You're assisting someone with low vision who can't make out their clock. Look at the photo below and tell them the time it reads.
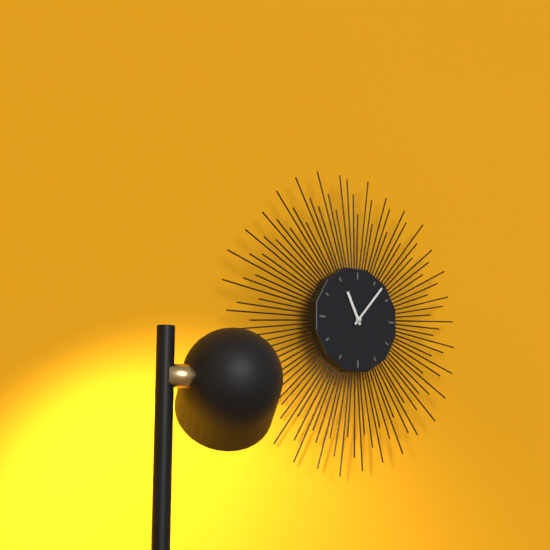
11:07
